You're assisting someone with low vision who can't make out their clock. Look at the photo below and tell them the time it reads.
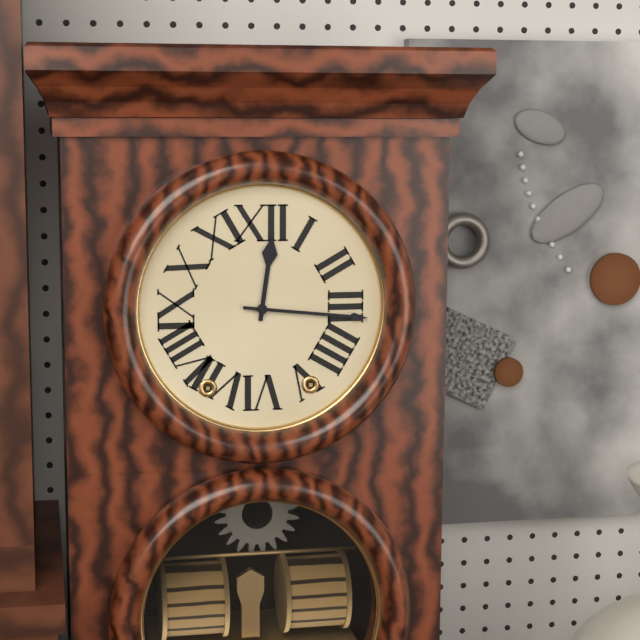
12:16
